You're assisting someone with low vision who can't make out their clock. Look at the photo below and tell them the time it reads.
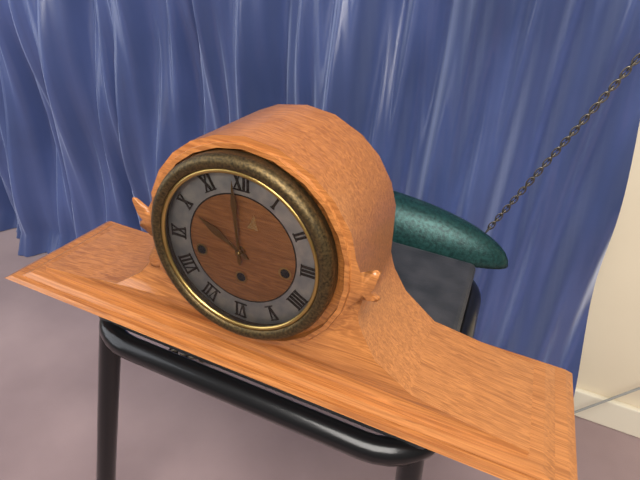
9:59
